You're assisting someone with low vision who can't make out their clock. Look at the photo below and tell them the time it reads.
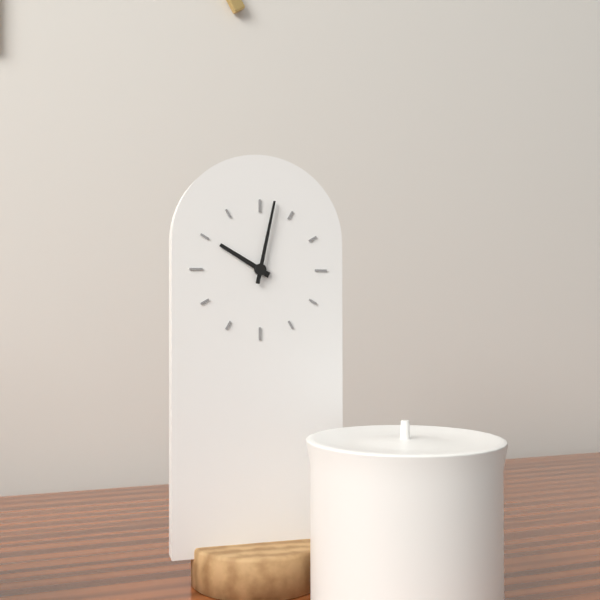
10:02
